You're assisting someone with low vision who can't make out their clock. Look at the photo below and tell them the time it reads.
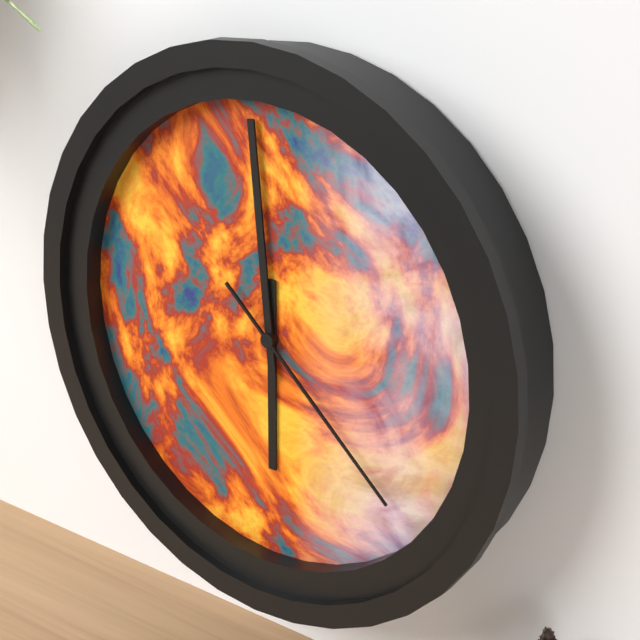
5:59:22
